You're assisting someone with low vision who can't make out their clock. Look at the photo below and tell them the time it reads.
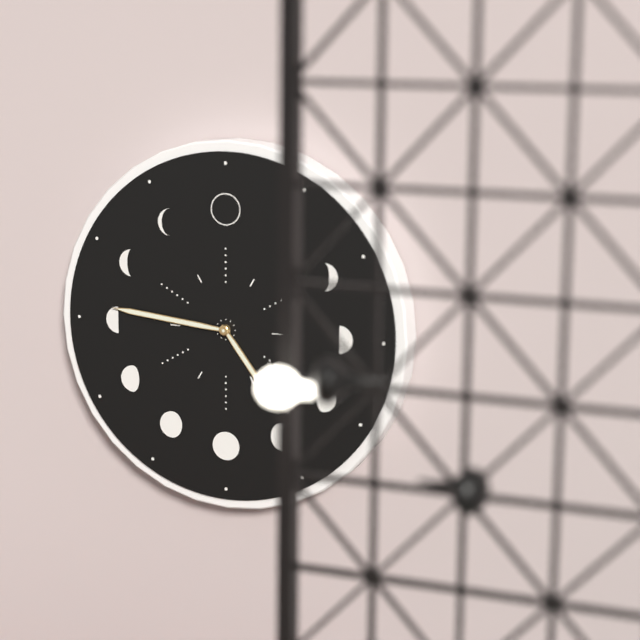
4:46
